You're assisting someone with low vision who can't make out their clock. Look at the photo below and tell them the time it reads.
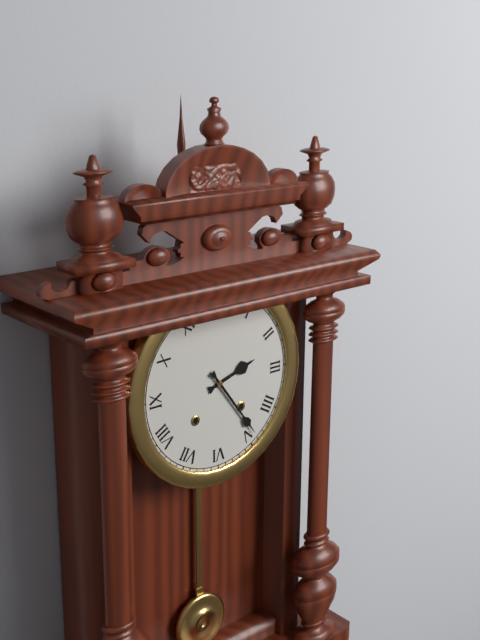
2:24
